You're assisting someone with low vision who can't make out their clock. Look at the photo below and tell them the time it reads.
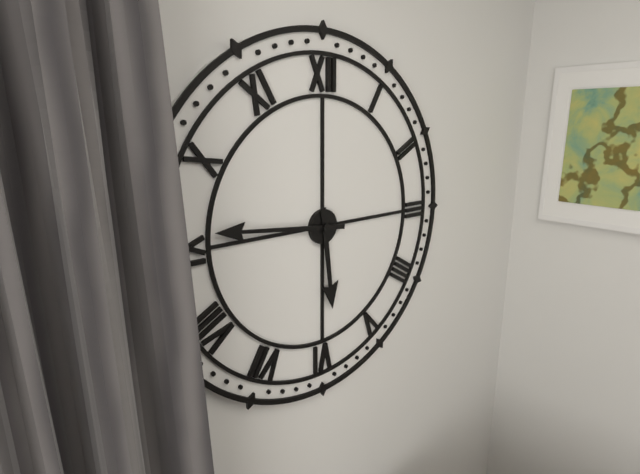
5:46
